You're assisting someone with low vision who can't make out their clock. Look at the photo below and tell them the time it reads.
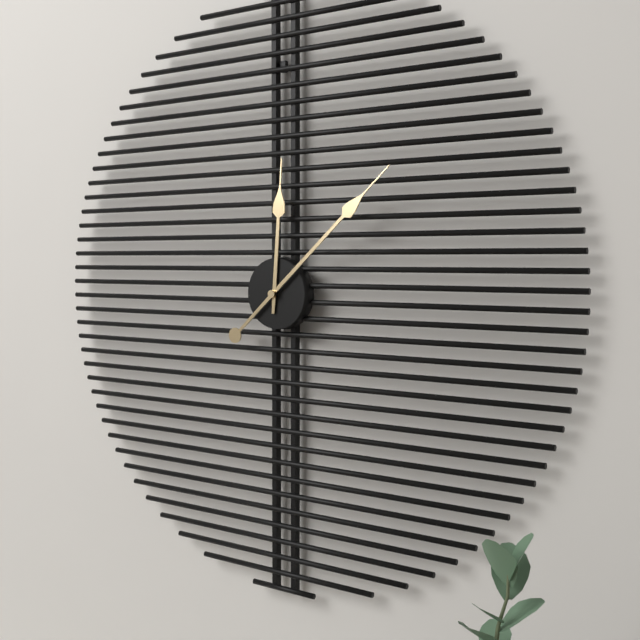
12:08
